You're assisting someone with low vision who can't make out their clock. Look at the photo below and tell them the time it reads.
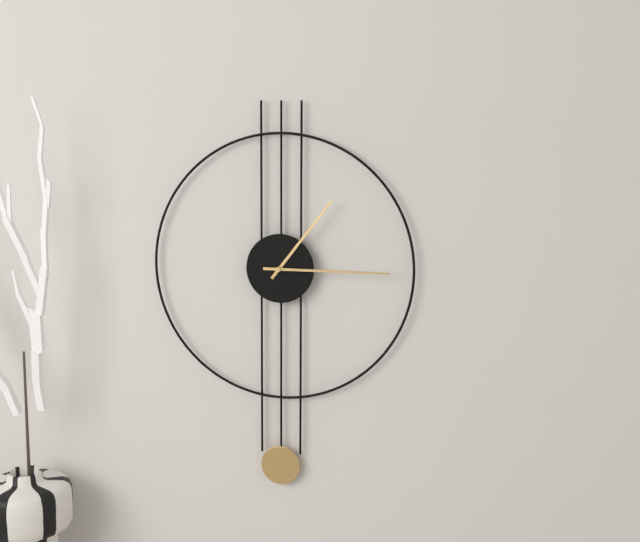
1:15
